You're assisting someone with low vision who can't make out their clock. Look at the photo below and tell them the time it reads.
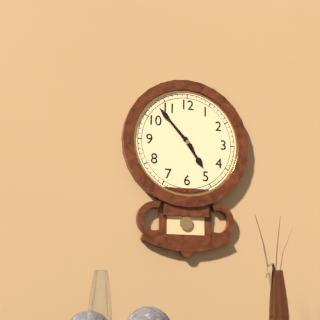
4:53
